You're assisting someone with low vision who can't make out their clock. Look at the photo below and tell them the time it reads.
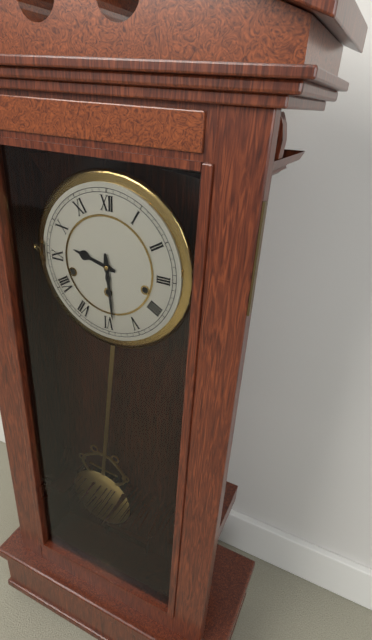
9:29
